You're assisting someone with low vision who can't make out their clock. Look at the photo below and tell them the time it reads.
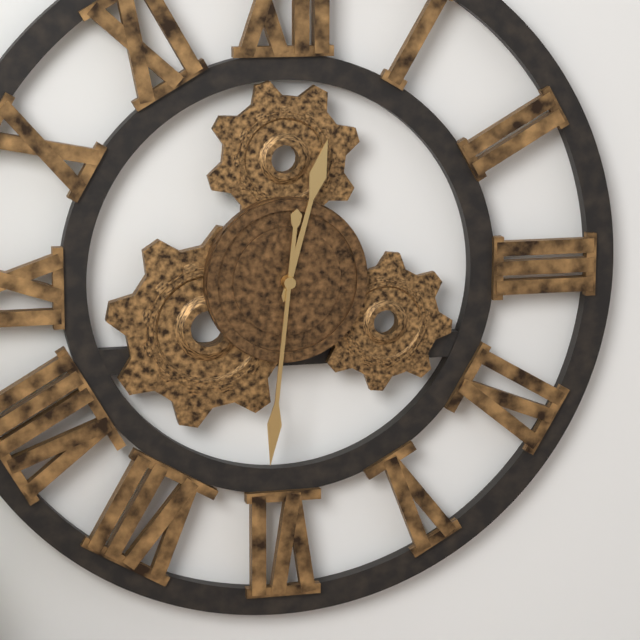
12:31
